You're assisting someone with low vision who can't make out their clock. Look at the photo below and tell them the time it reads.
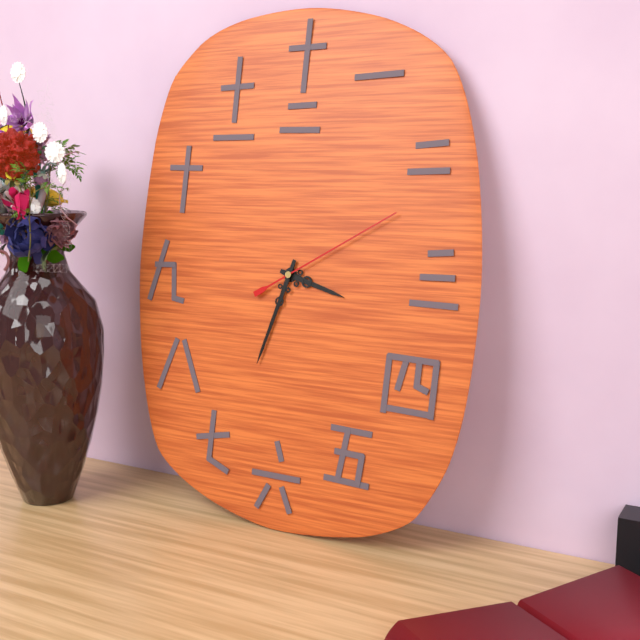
3:33:10
